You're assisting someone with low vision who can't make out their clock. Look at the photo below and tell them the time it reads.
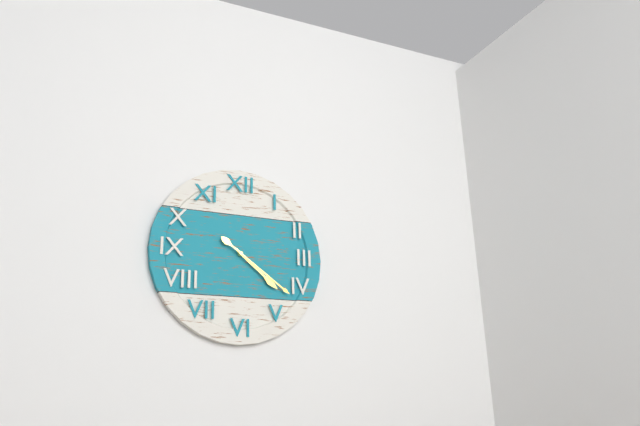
4:21
